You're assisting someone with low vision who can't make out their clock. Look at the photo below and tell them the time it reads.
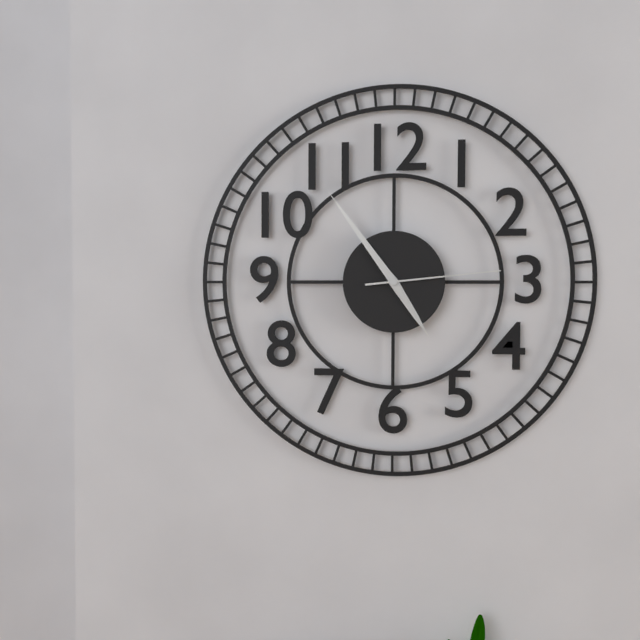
4:54:14
